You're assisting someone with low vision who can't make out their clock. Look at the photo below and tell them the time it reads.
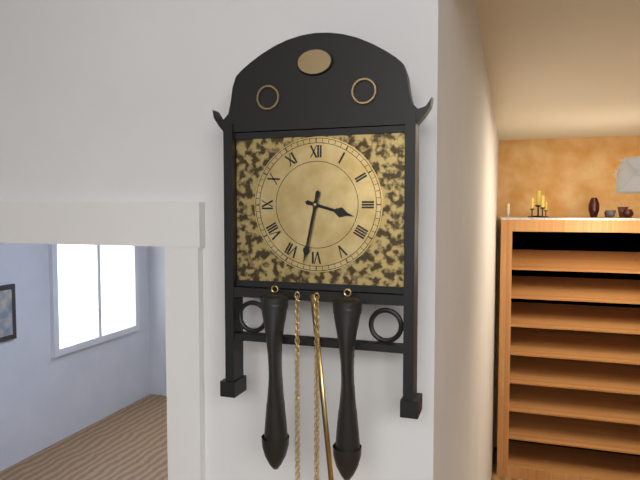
3:32
